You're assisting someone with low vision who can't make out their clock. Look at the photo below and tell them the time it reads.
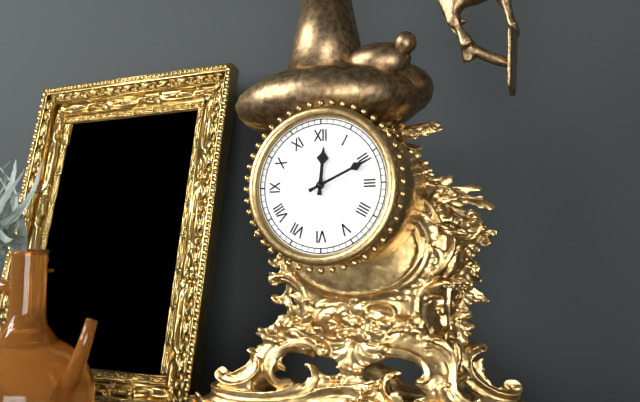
12:11
